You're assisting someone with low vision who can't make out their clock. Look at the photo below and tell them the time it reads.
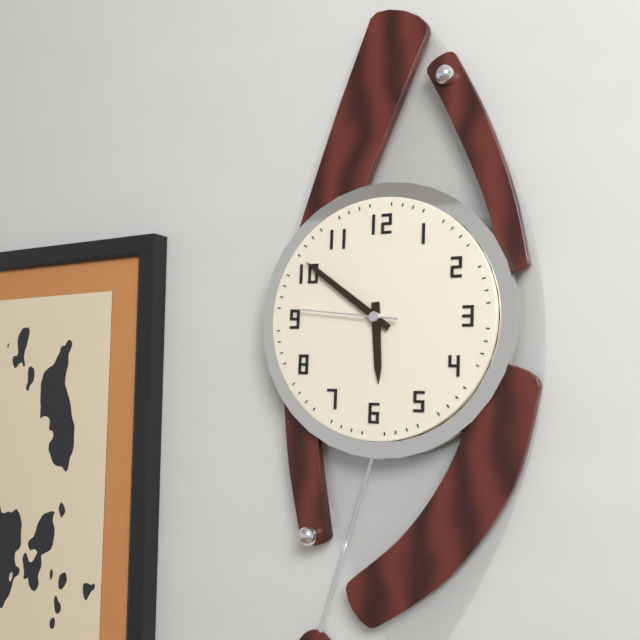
5:51:46
